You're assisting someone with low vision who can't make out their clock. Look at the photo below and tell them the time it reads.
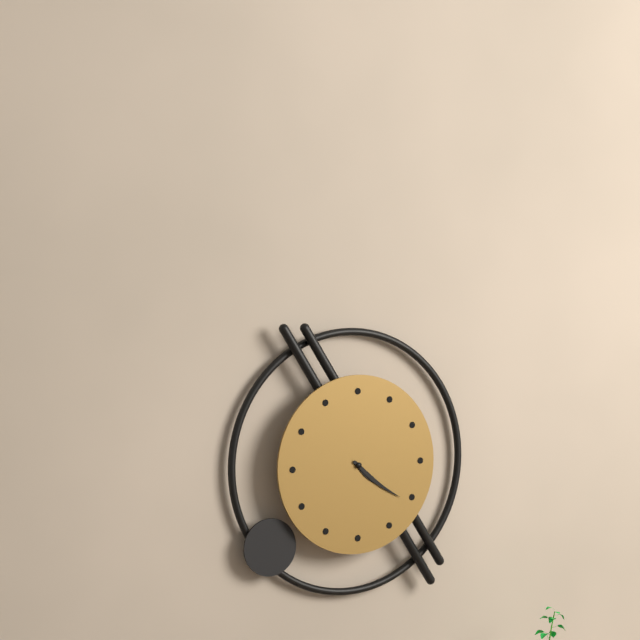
4:21
